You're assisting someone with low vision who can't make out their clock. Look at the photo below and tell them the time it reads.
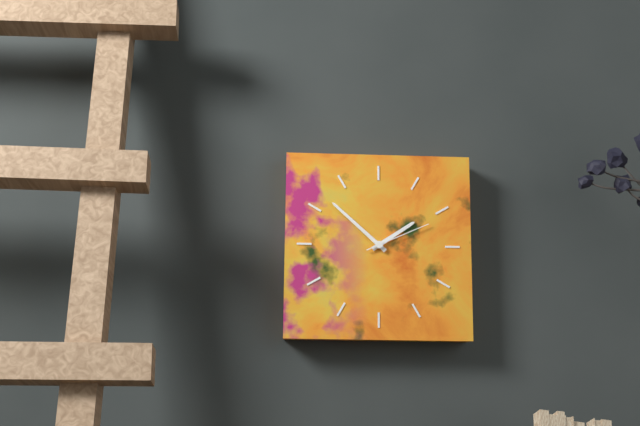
1:52:11
